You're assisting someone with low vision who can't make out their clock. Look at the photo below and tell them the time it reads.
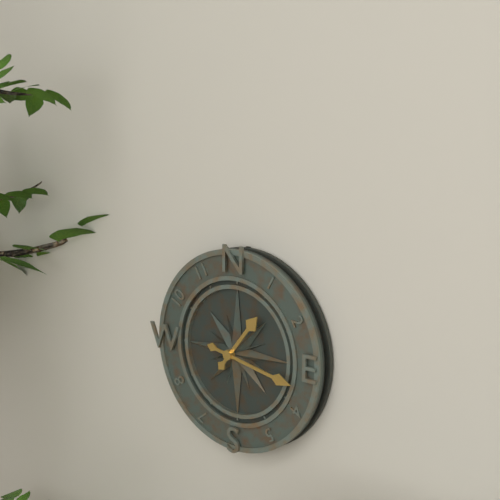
1:17
